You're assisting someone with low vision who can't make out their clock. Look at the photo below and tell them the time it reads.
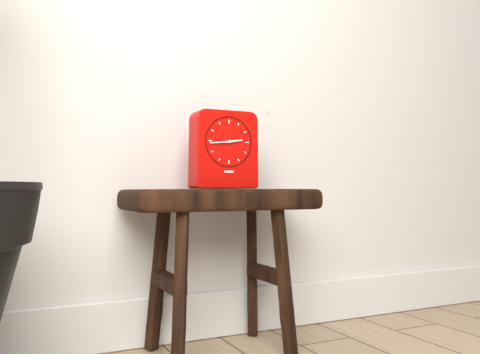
2:44
